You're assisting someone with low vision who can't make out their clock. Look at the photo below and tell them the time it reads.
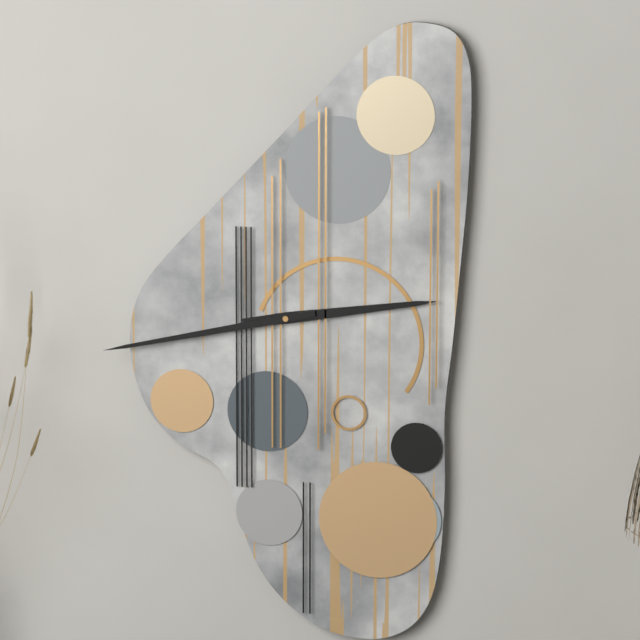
2:43
